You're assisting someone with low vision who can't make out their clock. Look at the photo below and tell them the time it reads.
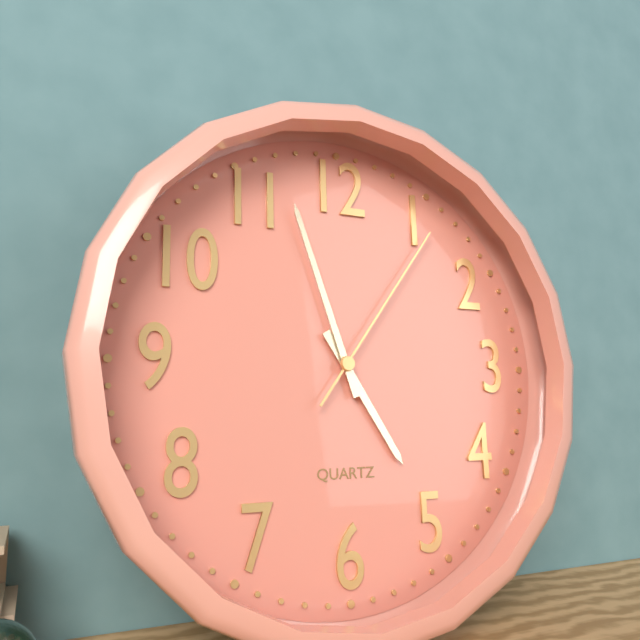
4:57:06
